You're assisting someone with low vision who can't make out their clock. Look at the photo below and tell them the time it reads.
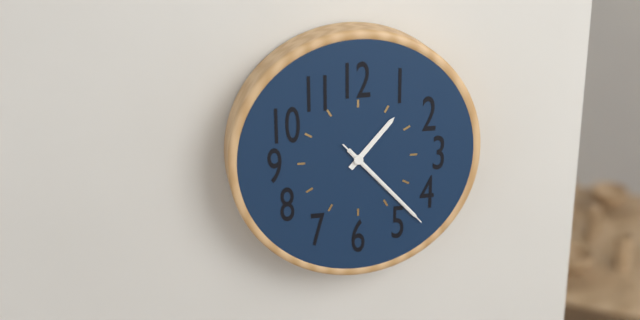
1:23:23
